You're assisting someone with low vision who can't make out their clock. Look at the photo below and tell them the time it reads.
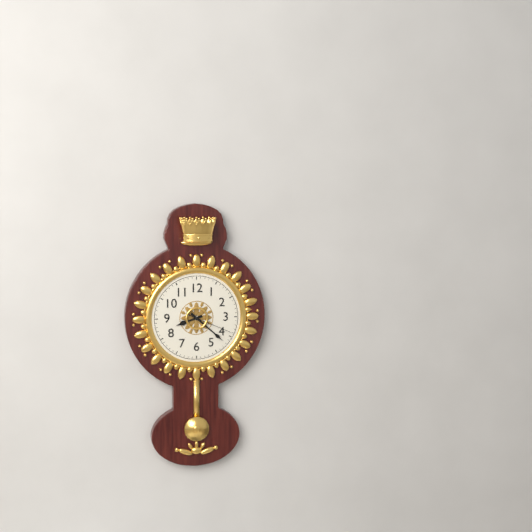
8:22
